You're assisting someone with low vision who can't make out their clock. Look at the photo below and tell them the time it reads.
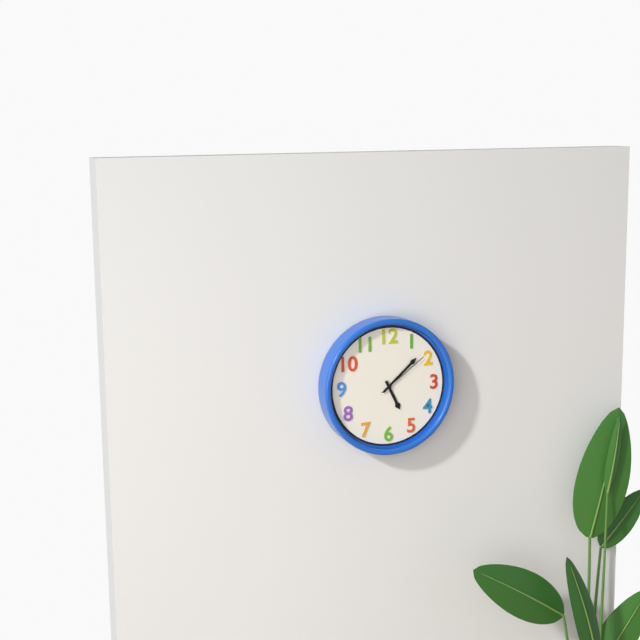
5:08:09
